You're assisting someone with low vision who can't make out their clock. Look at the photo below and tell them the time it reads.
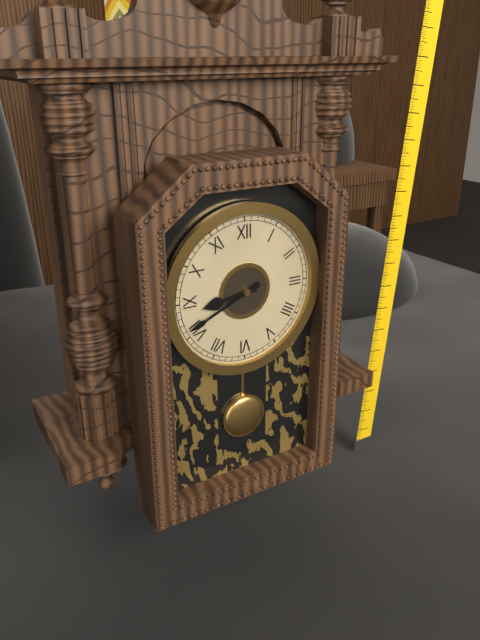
8:41
